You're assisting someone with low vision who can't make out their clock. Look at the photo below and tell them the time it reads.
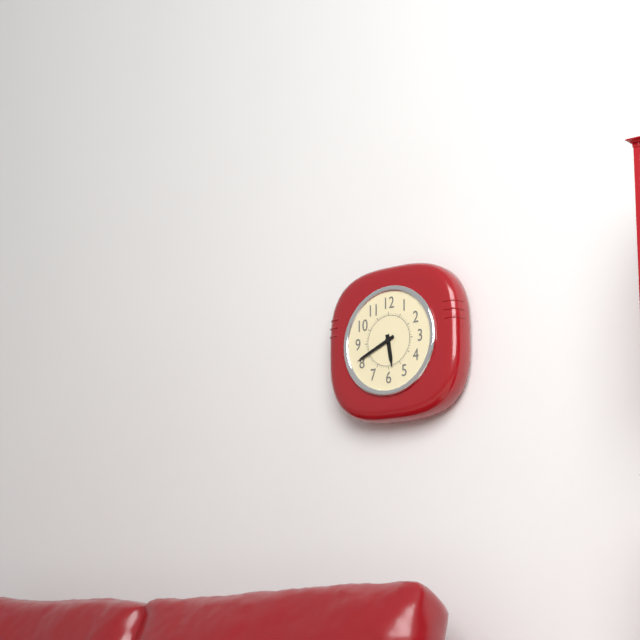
5:41
